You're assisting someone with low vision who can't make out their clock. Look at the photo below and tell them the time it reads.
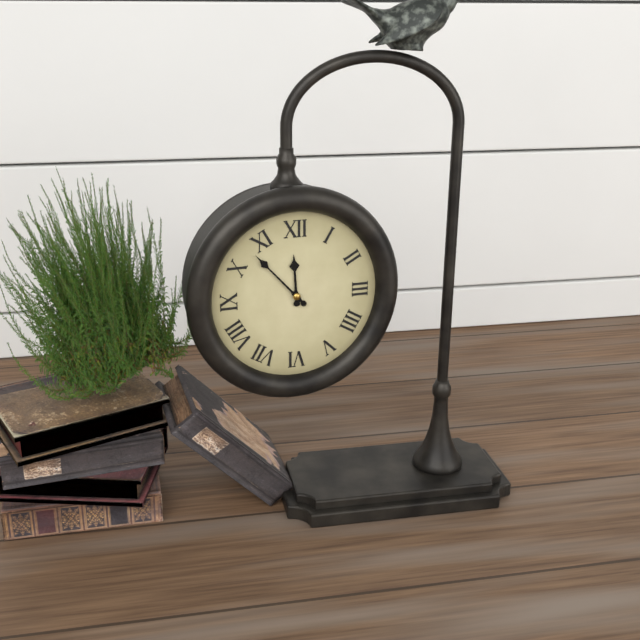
11:53
